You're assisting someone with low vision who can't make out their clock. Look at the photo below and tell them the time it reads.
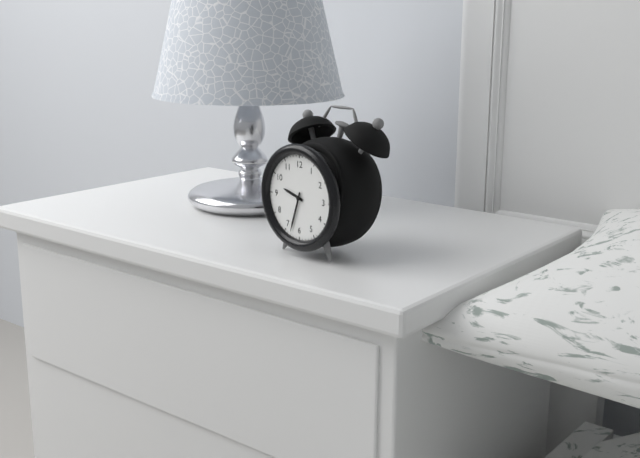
9:33
